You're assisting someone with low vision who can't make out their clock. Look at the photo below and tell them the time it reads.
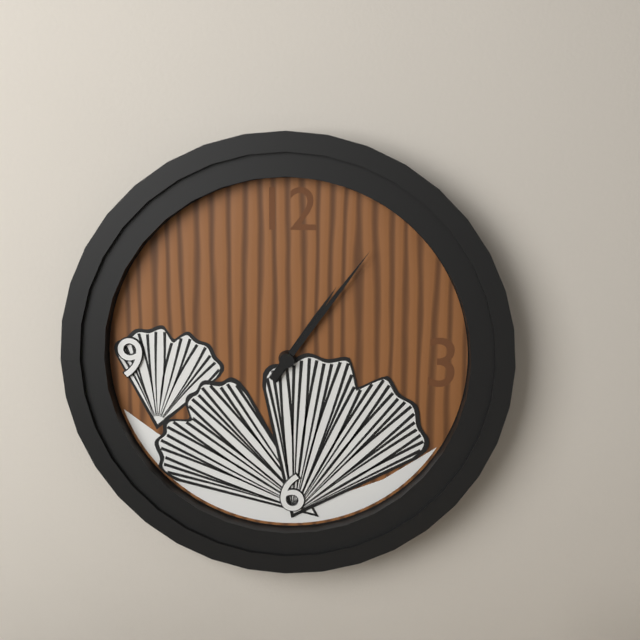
1:06
